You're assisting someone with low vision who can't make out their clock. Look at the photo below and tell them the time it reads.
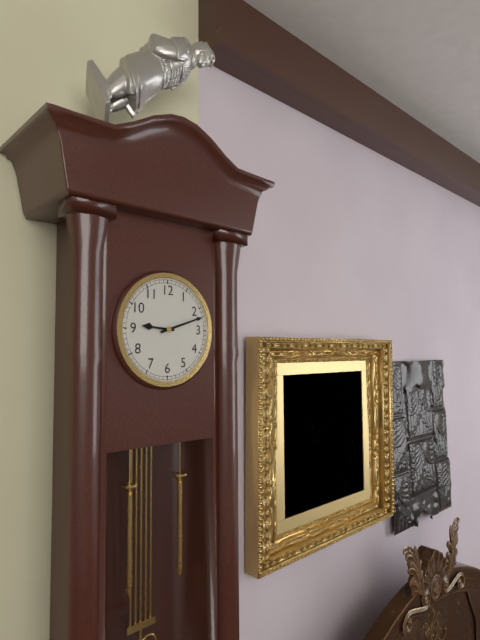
9:12
